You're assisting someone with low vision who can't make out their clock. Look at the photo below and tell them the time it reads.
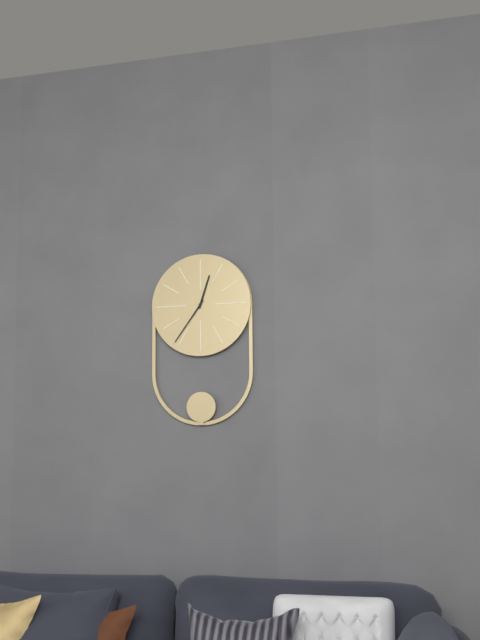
12:36
